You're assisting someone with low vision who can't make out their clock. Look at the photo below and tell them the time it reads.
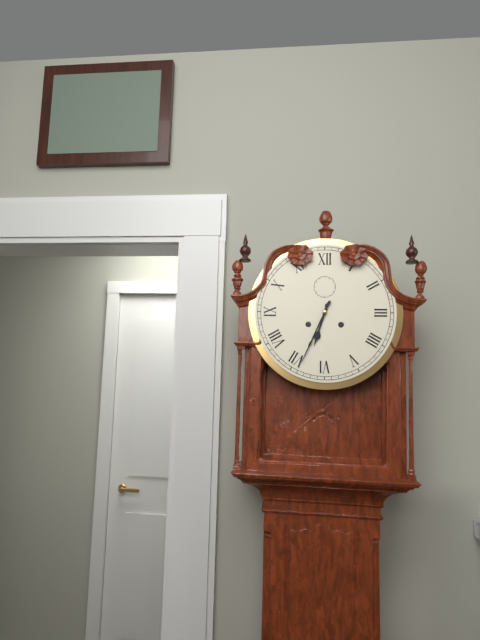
6:34
